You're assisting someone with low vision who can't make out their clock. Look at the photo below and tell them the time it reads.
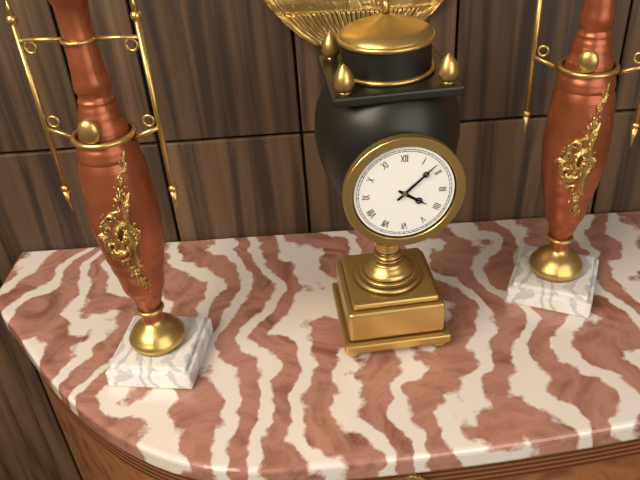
4:08
